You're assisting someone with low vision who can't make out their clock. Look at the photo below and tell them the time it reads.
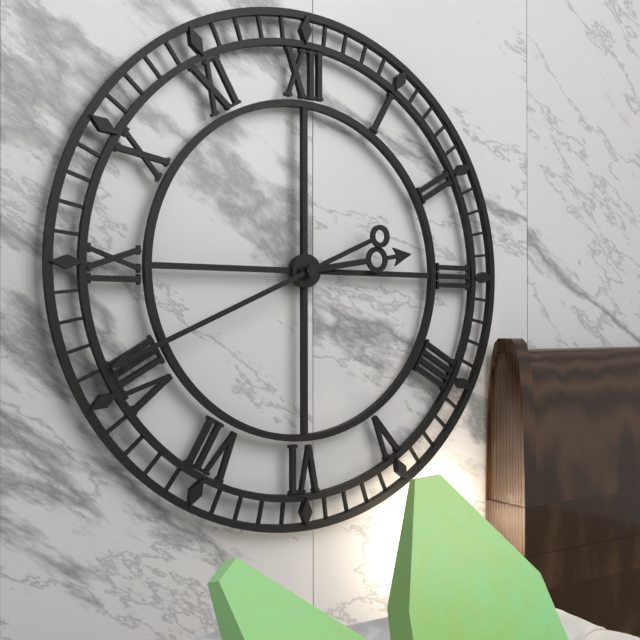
2:41
